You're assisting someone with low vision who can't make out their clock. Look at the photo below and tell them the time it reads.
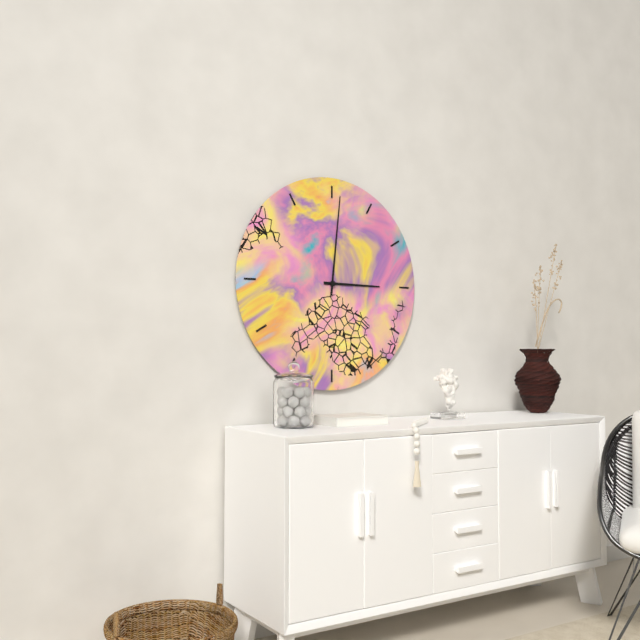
3:01
